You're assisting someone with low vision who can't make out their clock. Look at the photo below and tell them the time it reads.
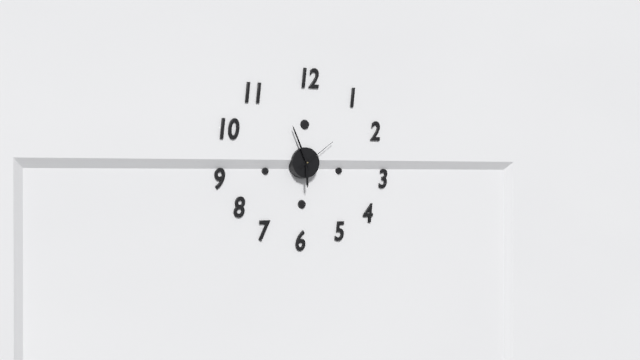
5:56
